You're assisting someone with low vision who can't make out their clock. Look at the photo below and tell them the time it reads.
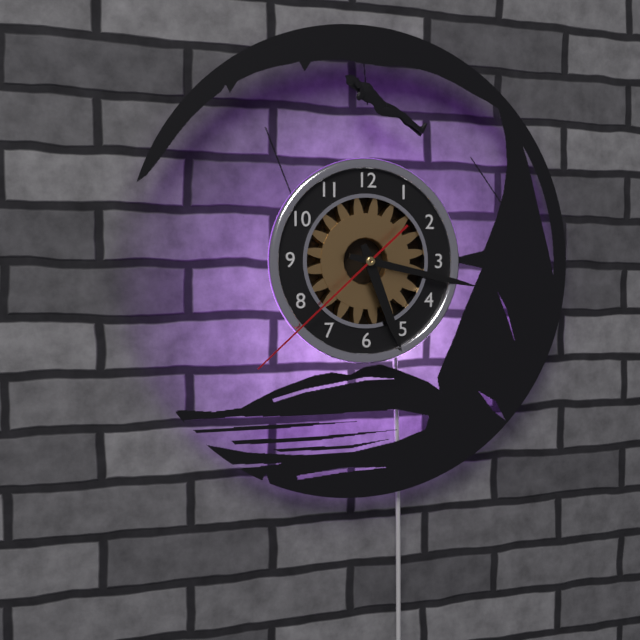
5:17:38
